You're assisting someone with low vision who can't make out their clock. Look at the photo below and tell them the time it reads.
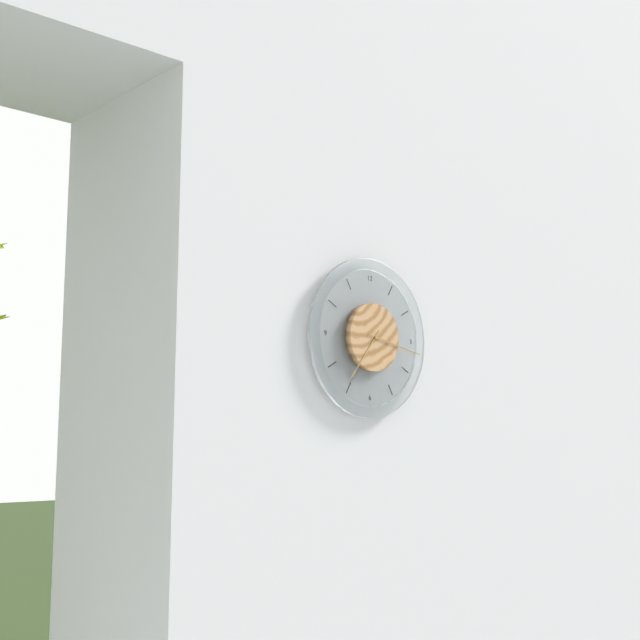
7:17
